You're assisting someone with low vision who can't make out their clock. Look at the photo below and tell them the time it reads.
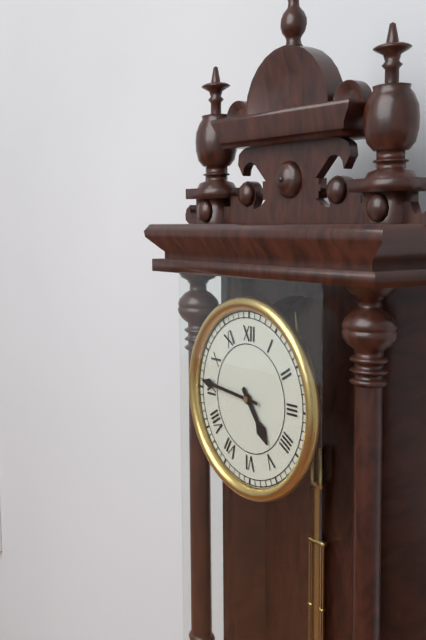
4:46
